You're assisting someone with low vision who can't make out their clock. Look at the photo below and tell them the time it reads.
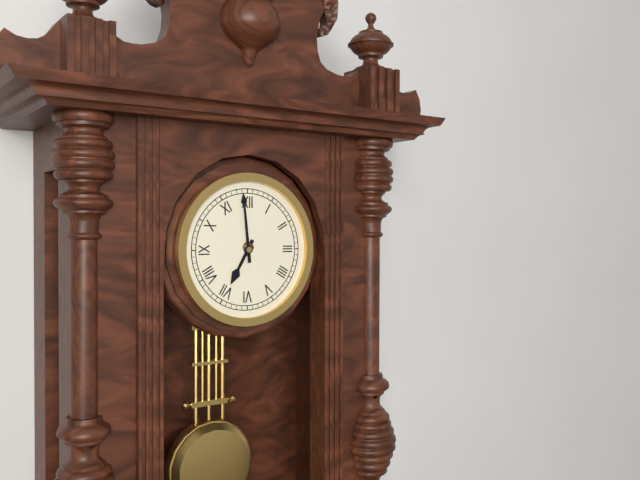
6:59
